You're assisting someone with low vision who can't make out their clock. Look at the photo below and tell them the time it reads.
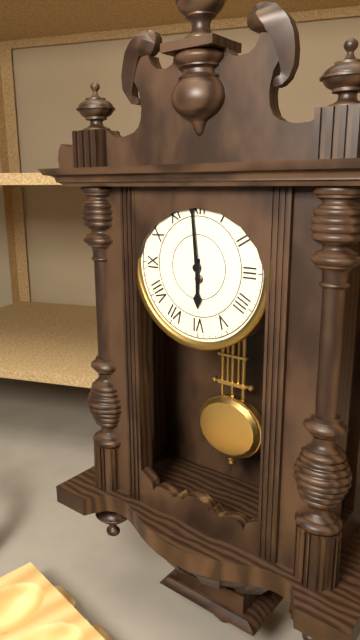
5:59
